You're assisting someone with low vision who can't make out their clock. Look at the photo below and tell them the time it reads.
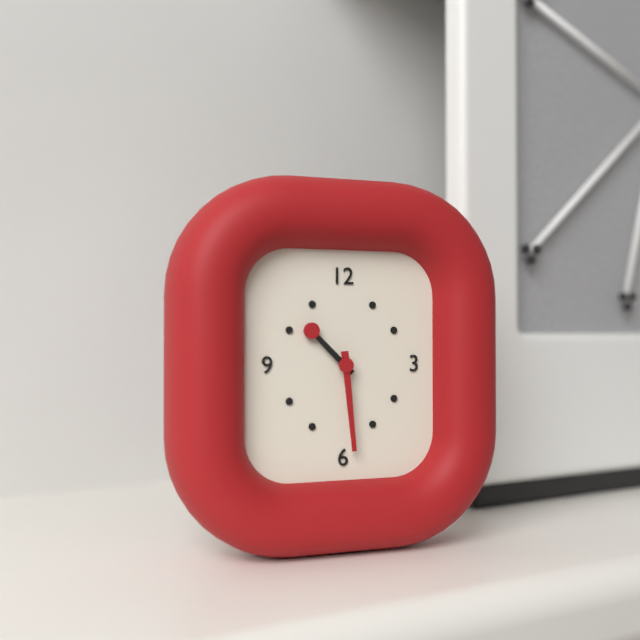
10:29
